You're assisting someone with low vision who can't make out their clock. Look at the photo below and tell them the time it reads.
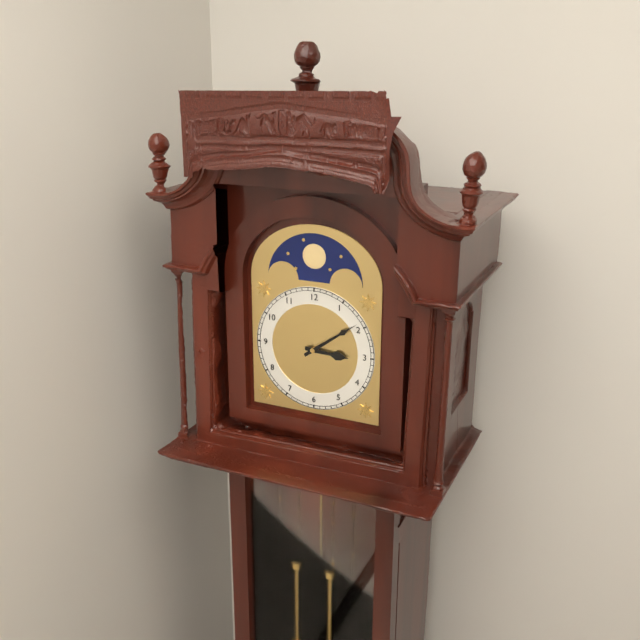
3:09
